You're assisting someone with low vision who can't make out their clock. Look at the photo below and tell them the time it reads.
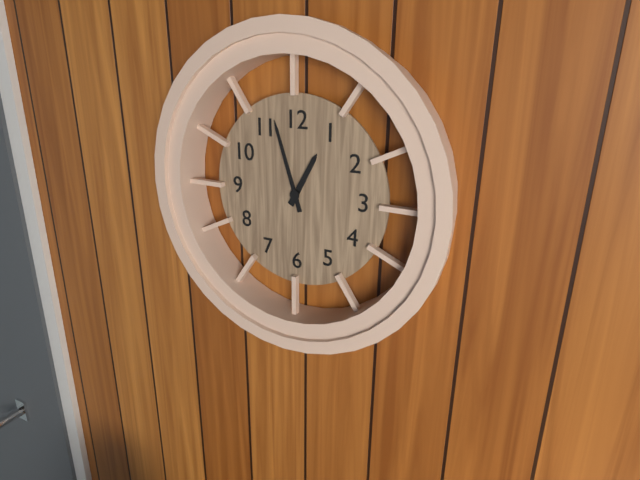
12:57
